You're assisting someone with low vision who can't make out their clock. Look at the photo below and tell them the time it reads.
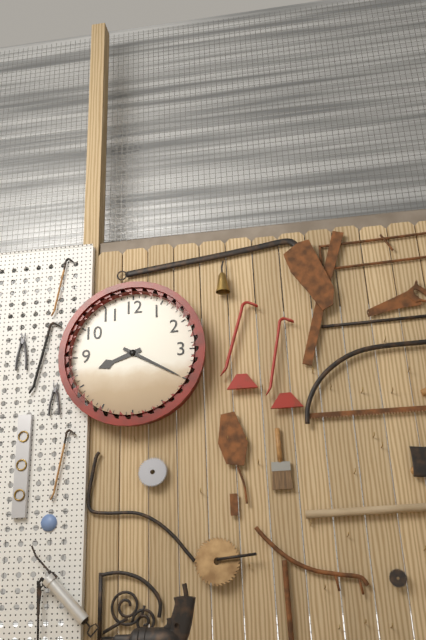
8:20
